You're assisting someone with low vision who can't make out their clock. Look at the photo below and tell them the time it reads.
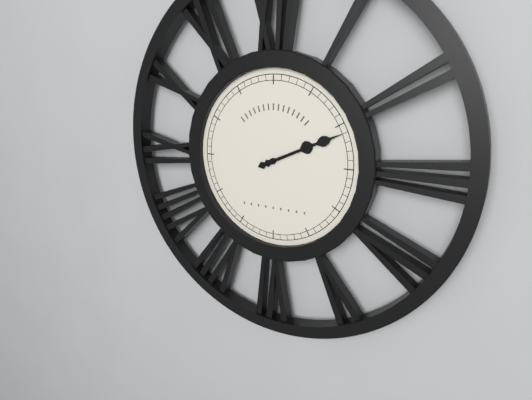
2:11
